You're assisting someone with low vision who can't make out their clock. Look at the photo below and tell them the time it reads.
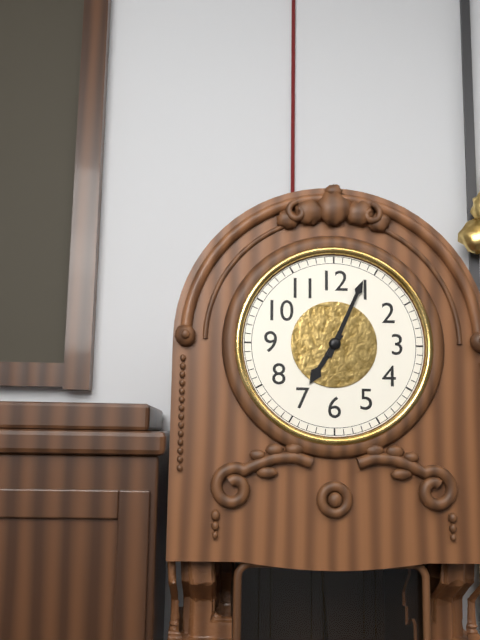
7:04
